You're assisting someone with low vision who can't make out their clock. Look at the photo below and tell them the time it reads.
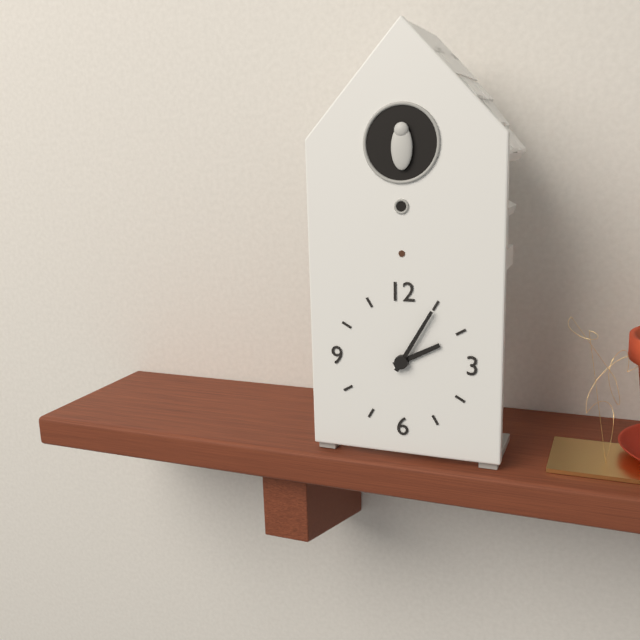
2:05
